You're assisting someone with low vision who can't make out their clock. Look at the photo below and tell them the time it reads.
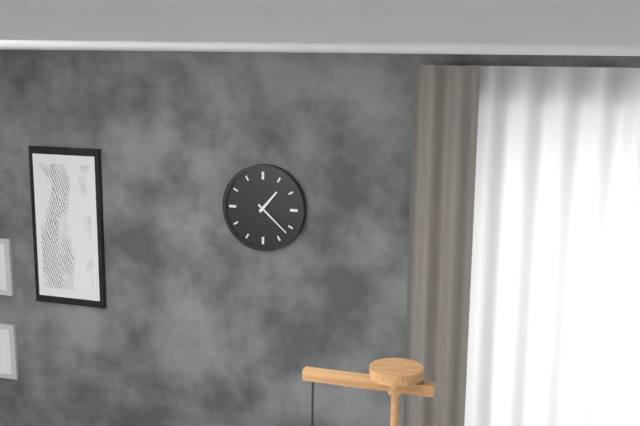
1:22
